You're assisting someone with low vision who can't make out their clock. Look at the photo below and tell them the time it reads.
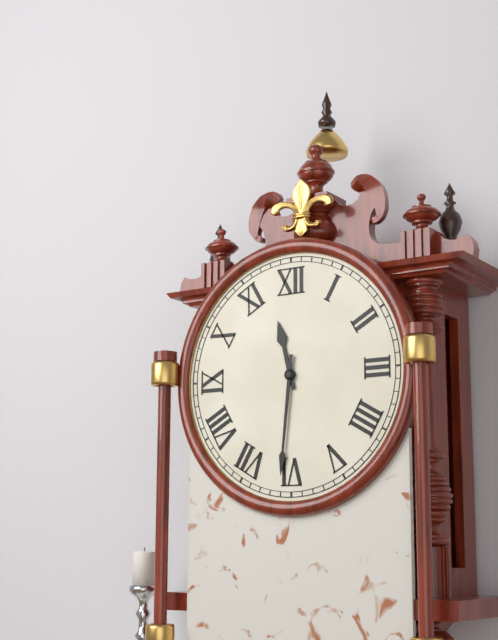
11:31
